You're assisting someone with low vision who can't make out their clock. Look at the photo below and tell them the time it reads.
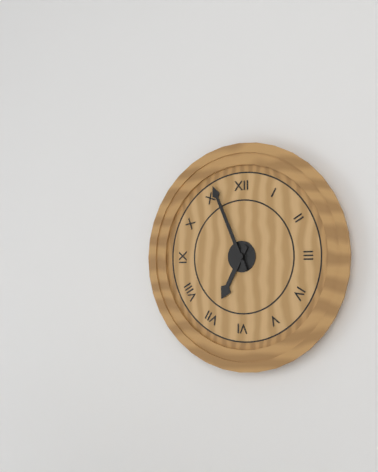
6:56
